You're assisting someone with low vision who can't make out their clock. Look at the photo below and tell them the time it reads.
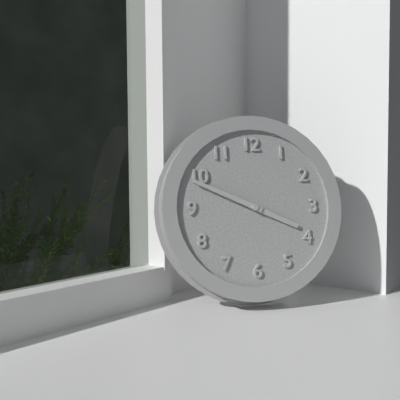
3:49
